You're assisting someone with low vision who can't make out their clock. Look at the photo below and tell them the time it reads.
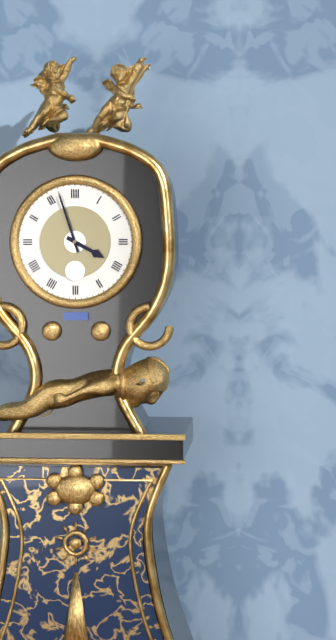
3:57
